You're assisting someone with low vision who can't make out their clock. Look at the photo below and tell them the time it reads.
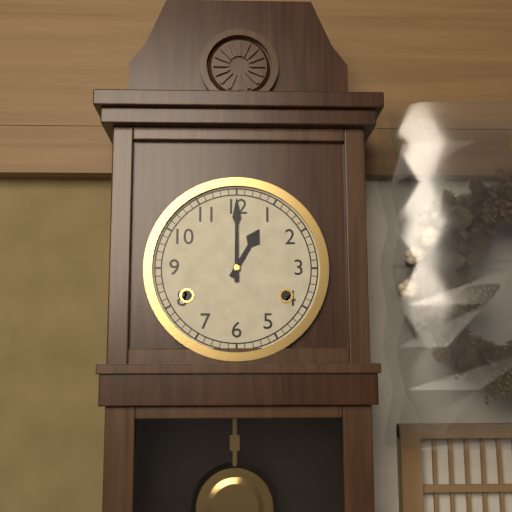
1:00
